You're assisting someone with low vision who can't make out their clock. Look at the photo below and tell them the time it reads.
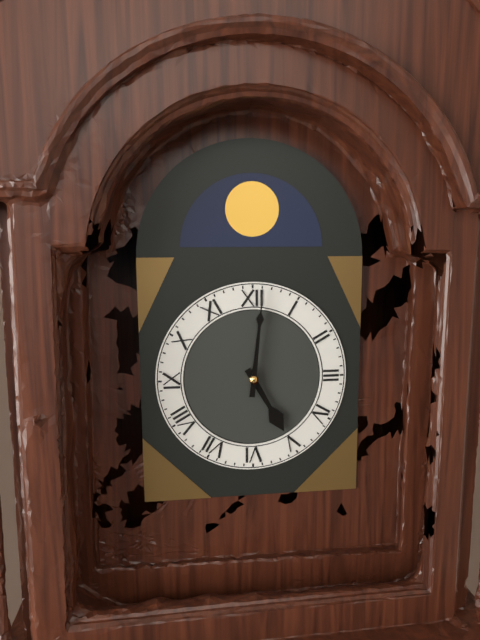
5:01
